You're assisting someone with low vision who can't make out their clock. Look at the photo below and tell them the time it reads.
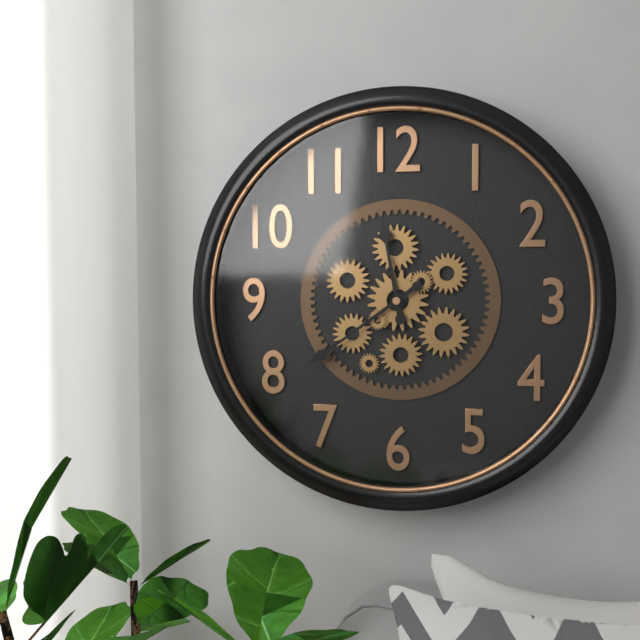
11:39
